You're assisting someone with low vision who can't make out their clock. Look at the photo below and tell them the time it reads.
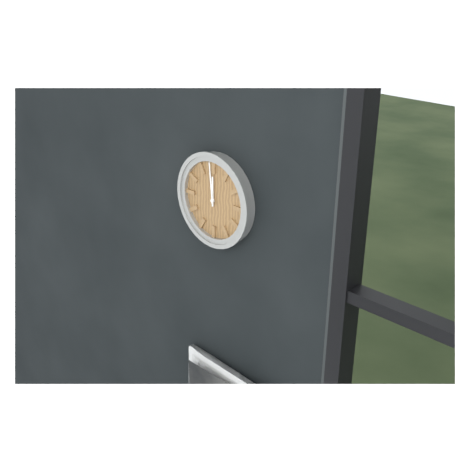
11:59
